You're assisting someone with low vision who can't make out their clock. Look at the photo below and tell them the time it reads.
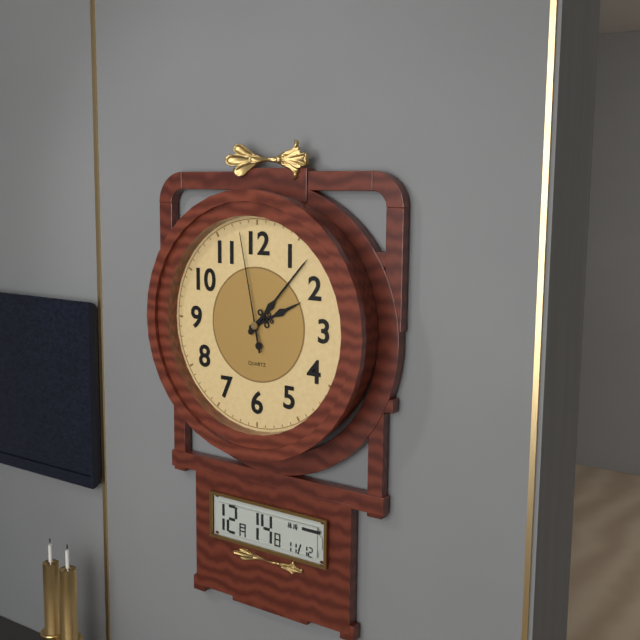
2:07:58
